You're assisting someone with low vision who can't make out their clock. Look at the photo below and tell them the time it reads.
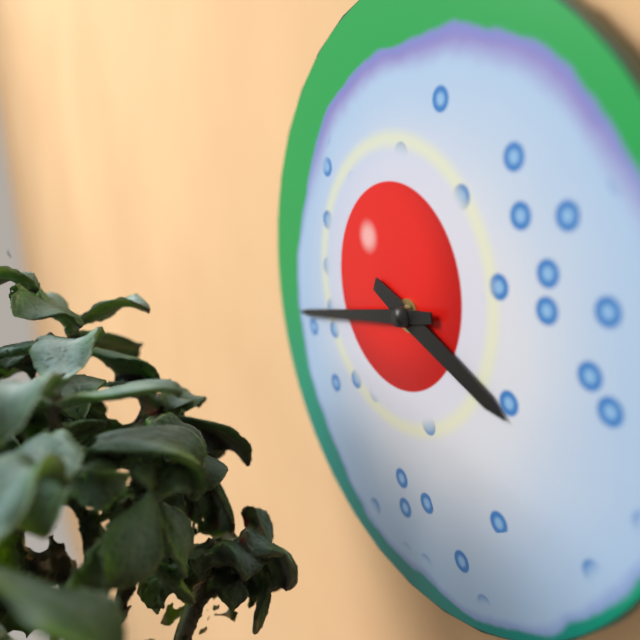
3:43
